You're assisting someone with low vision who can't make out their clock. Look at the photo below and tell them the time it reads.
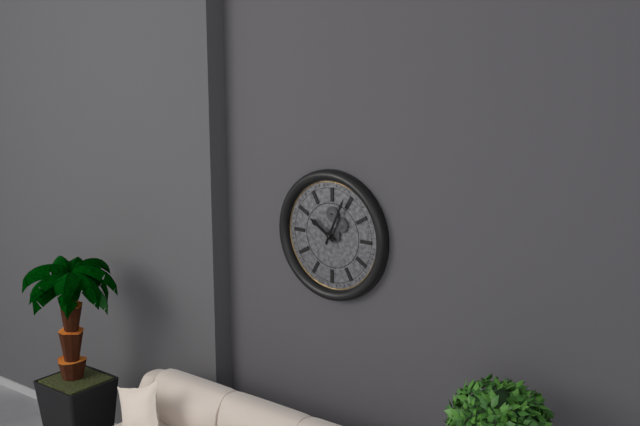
10:04
